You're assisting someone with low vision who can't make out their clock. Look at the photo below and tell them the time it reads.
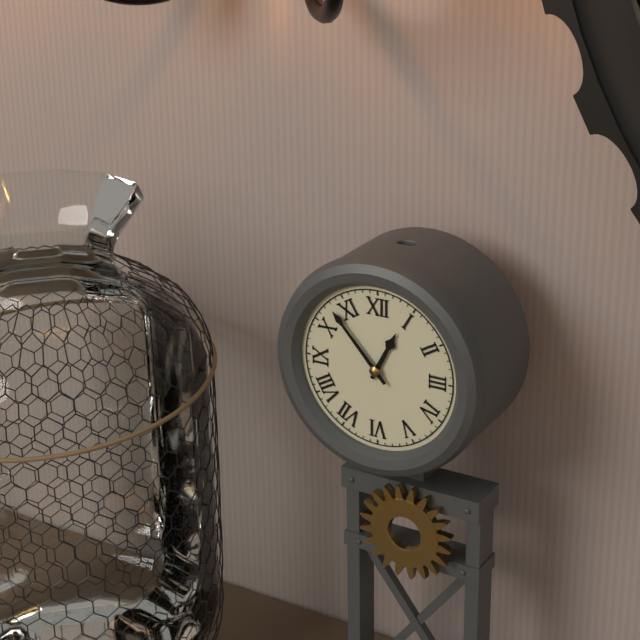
12:53
